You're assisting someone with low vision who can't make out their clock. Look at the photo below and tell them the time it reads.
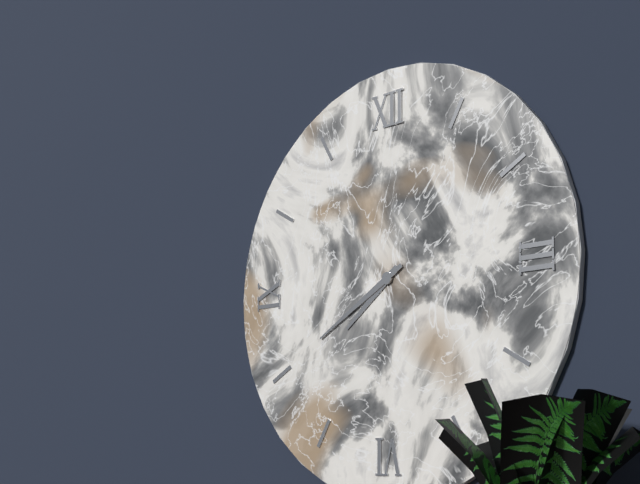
7:40
